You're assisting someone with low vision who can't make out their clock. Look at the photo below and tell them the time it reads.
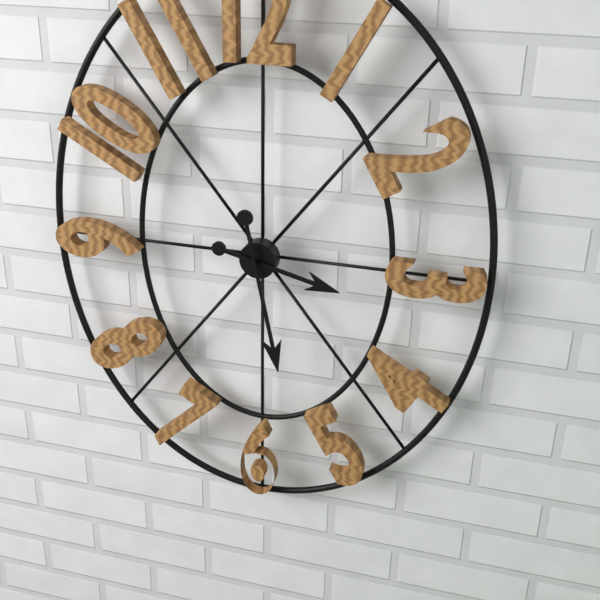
3:28
